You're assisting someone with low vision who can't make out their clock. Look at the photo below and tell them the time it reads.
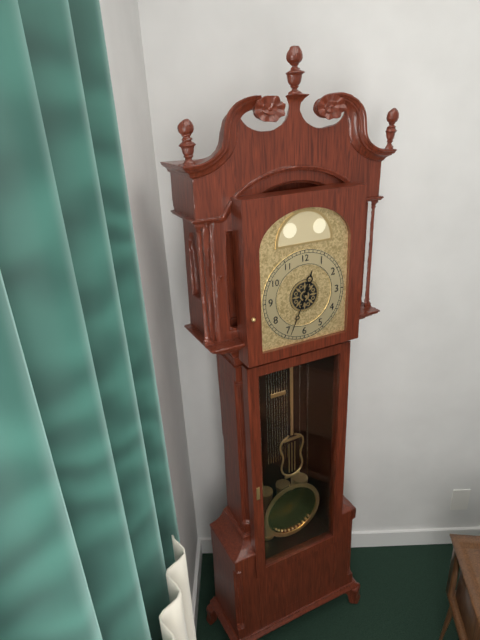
12:34
